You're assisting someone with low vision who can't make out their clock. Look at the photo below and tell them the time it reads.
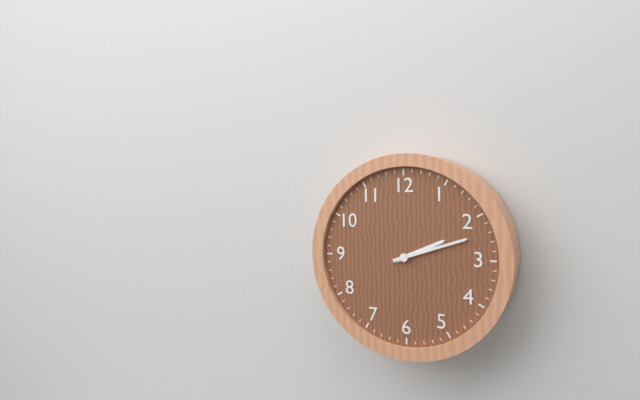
2:12
